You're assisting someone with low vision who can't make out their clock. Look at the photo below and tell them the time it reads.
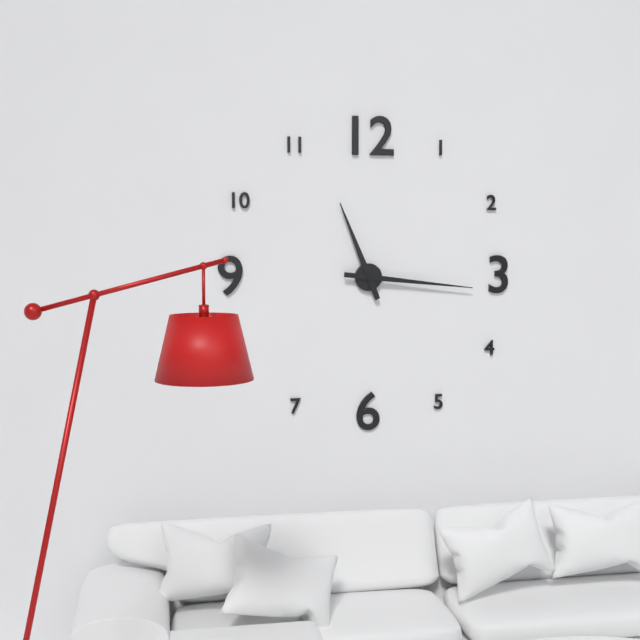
11:16
